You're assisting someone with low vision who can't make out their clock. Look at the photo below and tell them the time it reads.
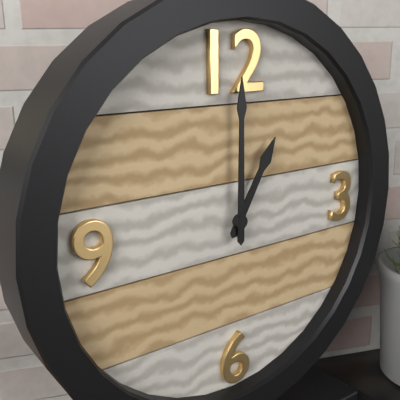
1:00
